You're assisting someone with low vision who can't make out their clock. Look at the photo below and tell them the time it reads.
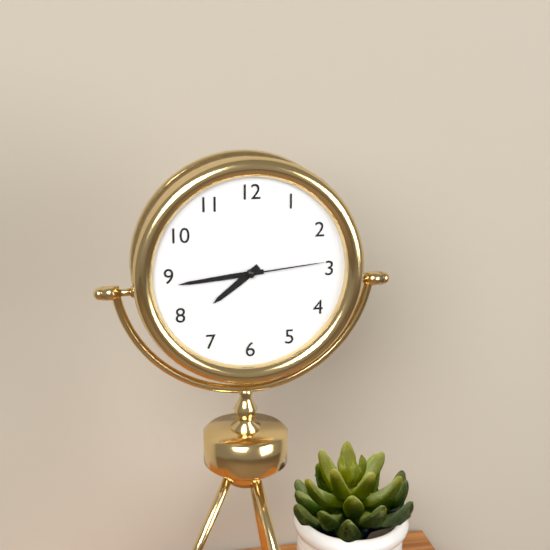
7:44:14
